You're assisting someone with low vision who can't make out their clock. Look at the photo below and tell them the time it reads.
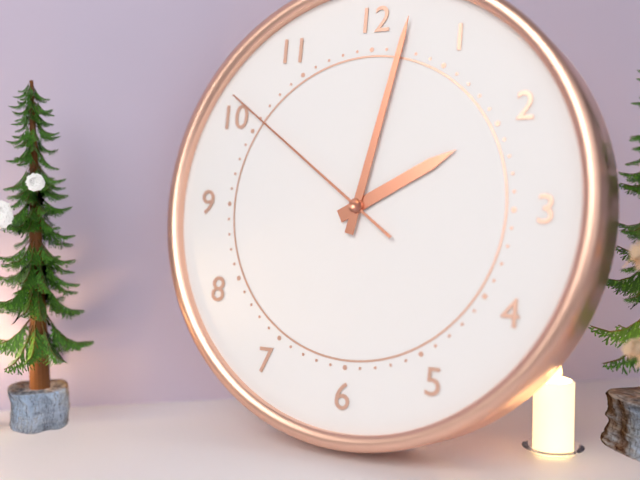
2:02:51
